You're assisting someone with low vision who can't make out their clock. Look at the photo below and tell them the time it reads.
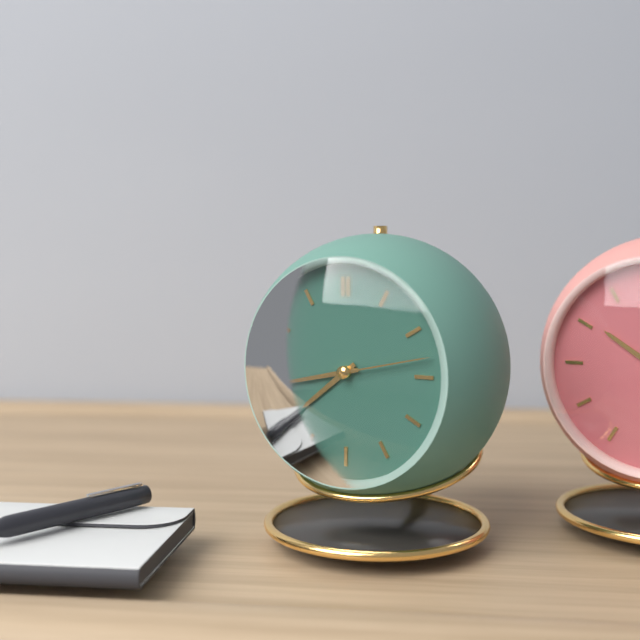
7:43:13
